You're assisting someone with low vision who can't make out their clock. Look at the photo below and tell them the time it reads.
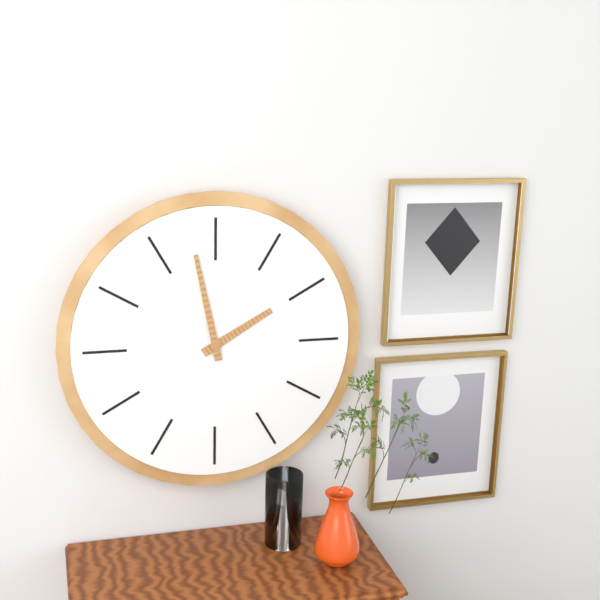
1:58
